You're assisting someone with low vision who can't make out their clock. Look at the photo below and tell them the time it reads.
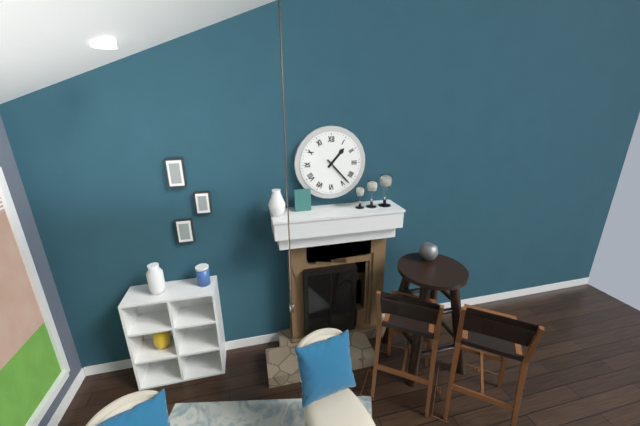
1:23
